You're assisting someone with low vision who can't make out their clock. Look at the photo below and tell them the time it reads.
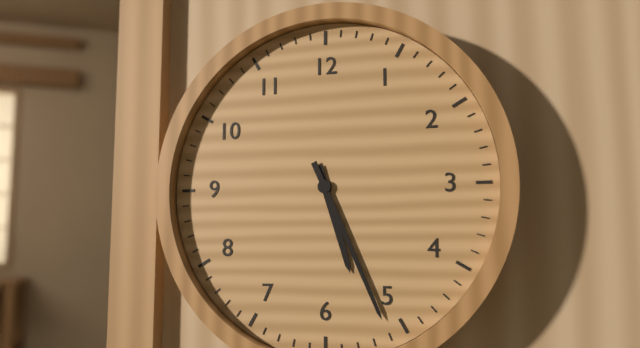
5:26
